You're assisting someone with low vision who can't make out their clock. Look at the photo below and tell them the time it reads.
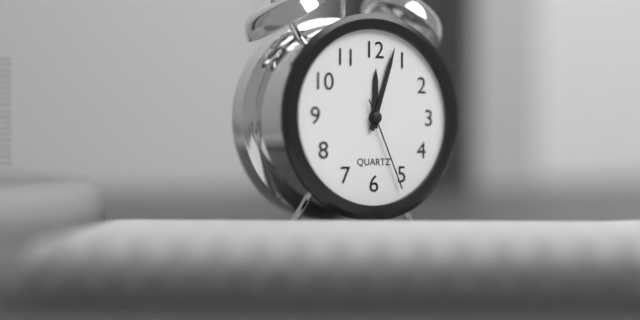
12:03:26
